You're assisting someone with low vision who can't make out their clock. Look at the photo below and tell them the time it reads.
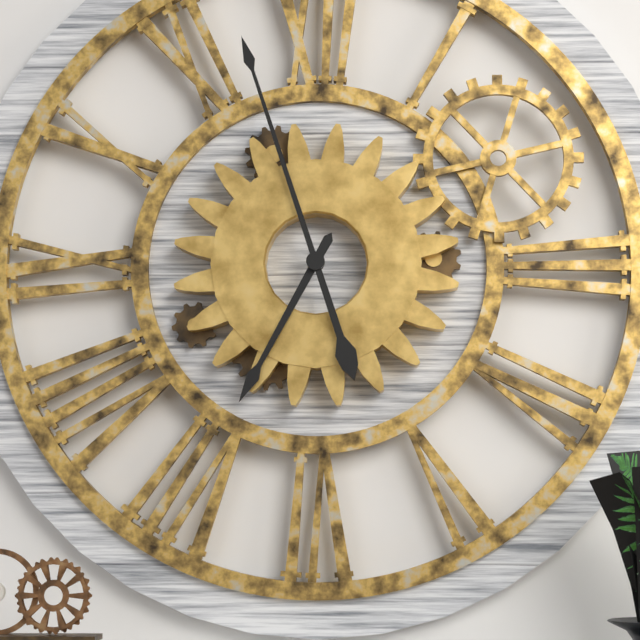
6:57
